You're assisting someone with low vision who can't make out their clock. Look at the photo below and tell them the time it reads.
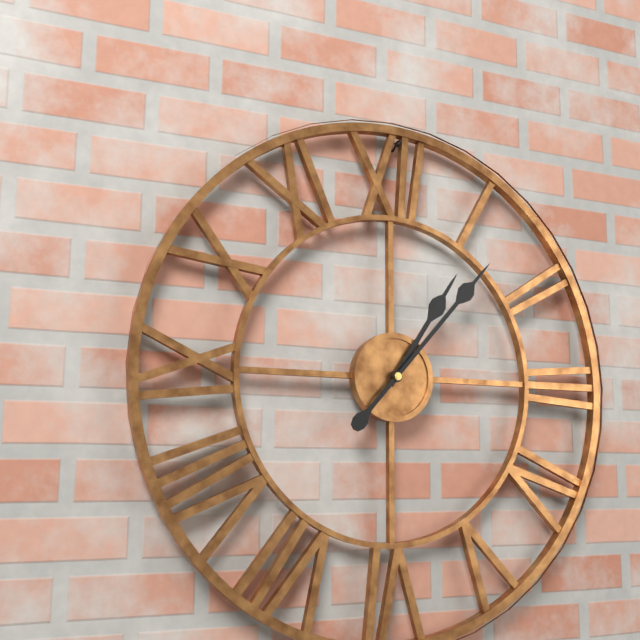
1:07
